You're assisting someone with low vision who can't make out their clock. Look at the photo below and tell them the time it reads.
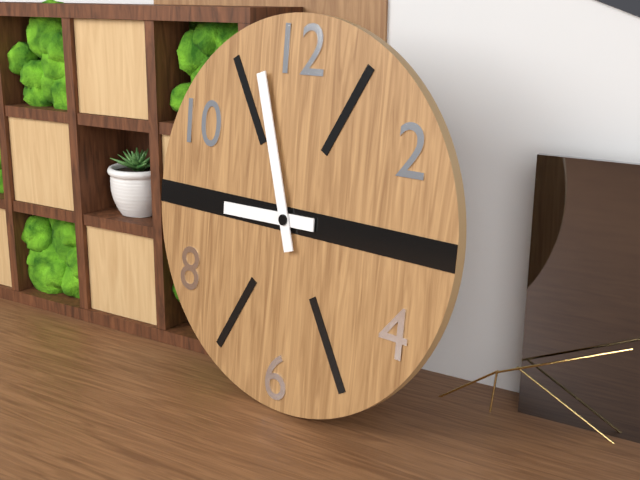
8:57
